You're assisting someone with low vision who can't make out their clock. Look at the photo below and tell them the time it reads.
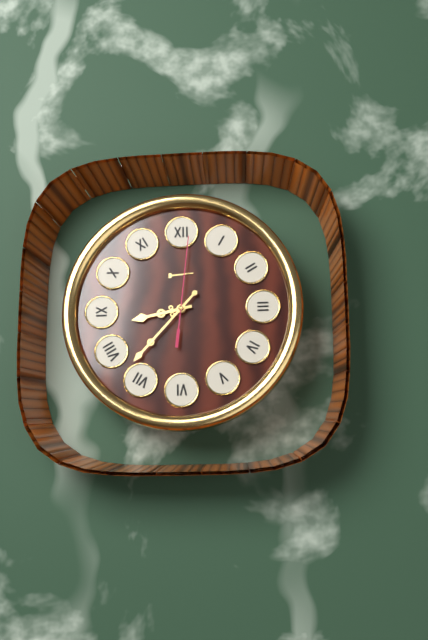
8:37:01
